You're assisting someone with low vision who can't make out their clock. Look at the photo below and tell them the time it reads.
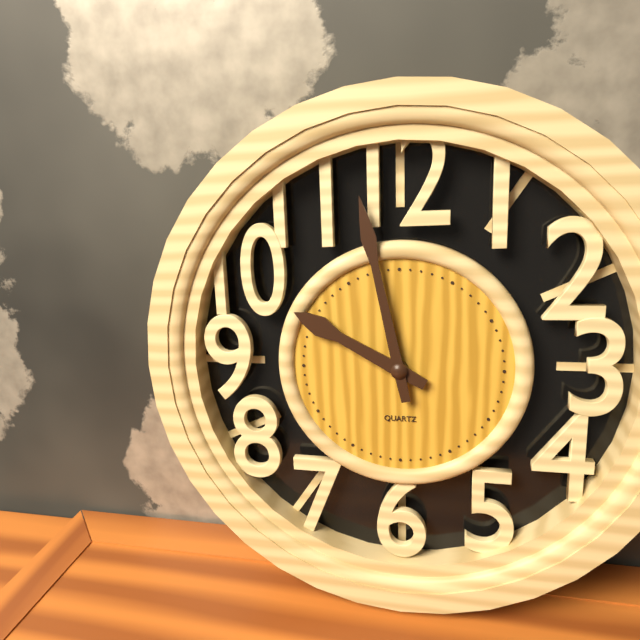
9:58
